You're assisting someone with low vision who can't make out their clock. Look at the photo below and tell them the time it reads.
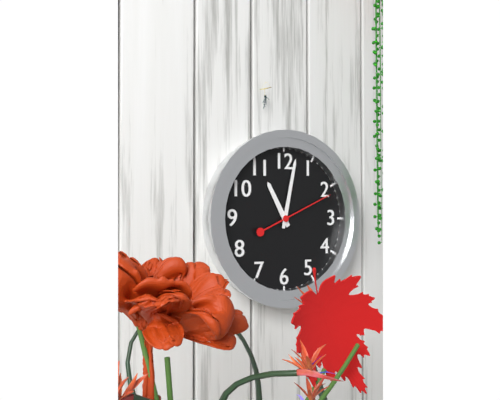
11:02:11
